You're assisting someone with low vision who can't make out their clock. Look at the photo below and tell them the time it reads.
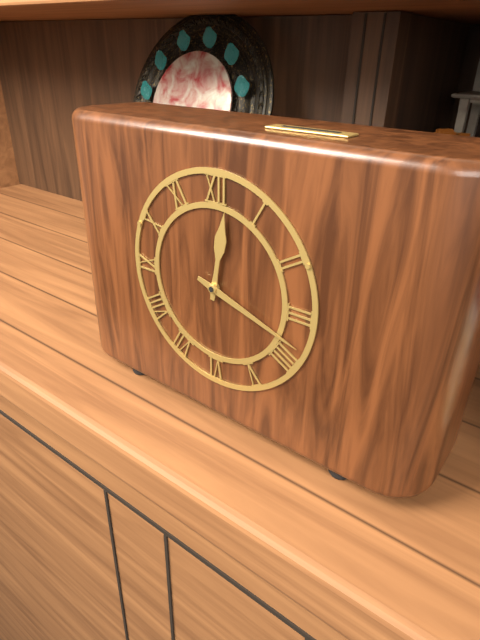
12:18
